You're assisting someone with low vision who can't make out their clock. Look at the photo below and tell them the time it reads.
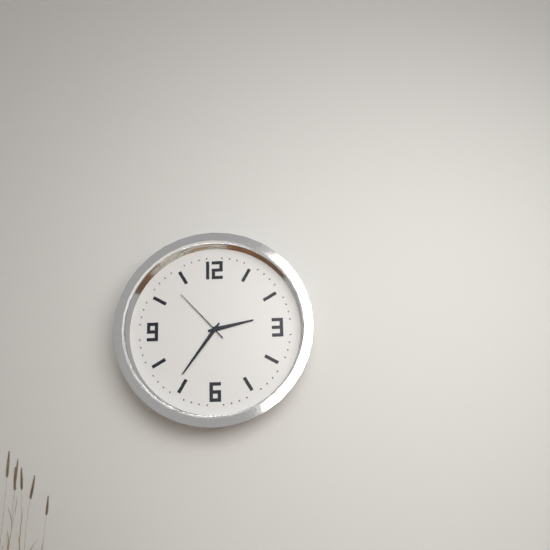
2:36:53
